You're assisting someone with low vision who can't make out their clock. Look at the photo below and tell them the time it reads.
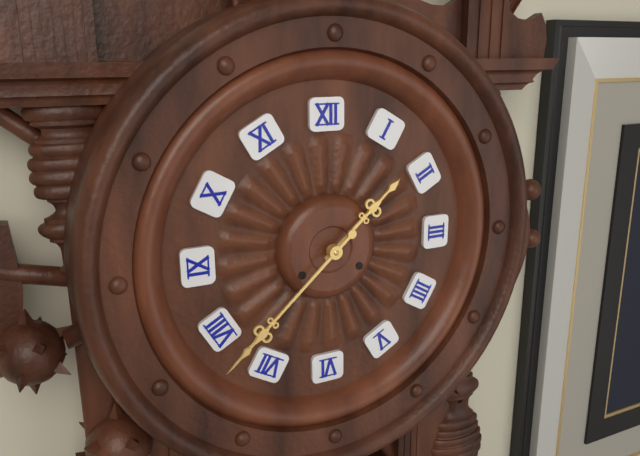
1:38
